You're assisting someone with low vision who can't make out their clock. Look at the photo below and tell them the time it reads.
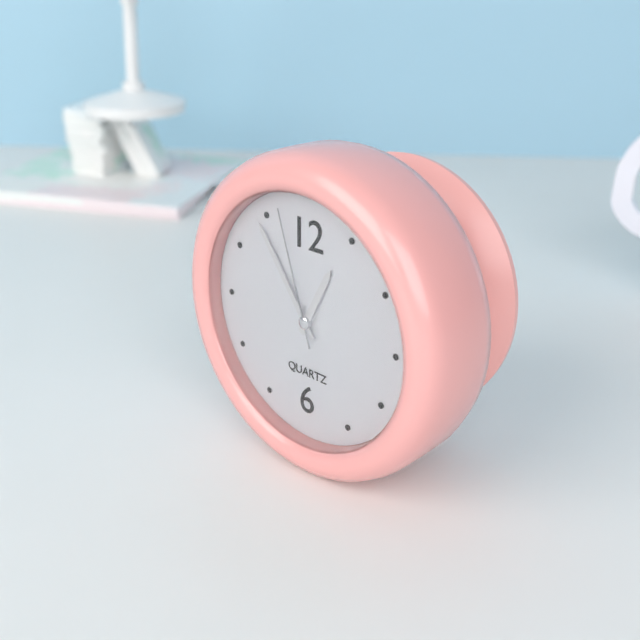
12:54:57
